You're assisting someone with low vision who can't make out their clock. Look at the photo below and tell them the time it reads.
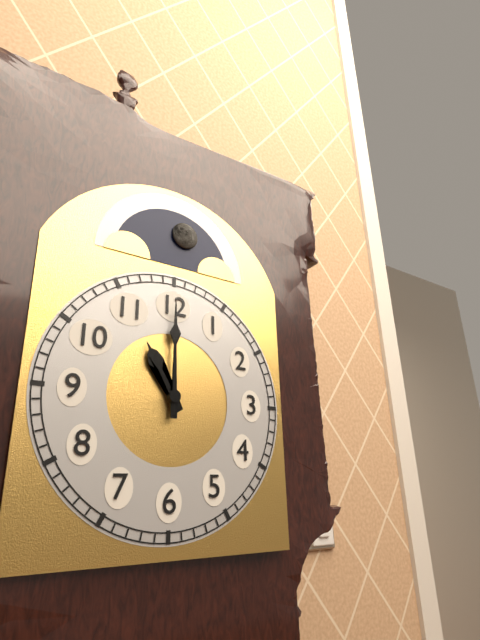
11:00
